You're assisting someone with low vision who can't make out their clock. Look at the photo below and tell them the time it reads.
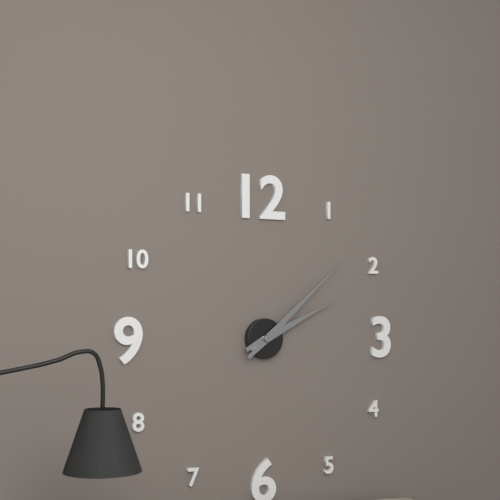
2:08
